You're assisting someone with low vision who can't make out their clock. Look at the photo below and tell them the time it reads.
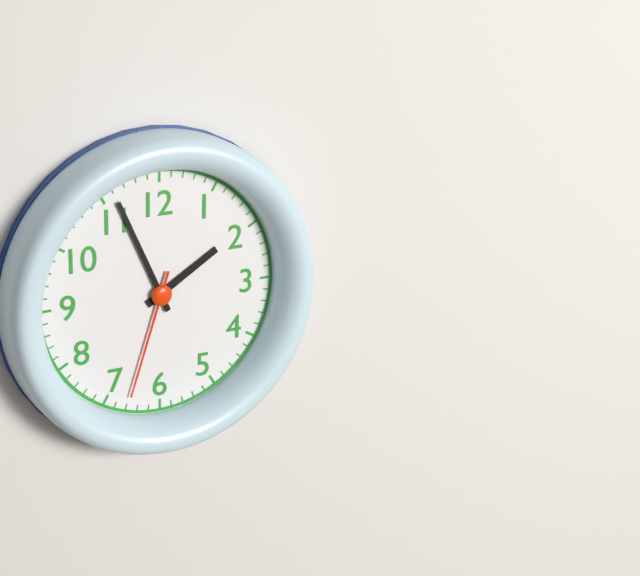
1:56:33
